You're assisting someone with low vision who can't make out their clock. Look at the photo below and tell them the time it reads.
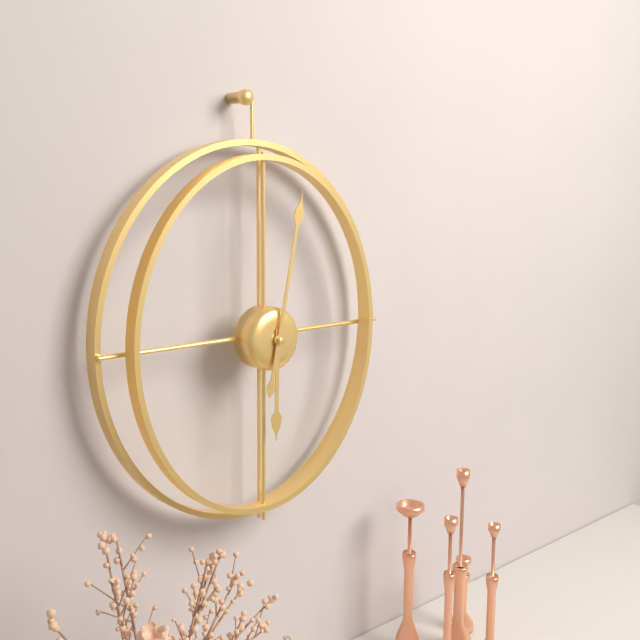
6:02
